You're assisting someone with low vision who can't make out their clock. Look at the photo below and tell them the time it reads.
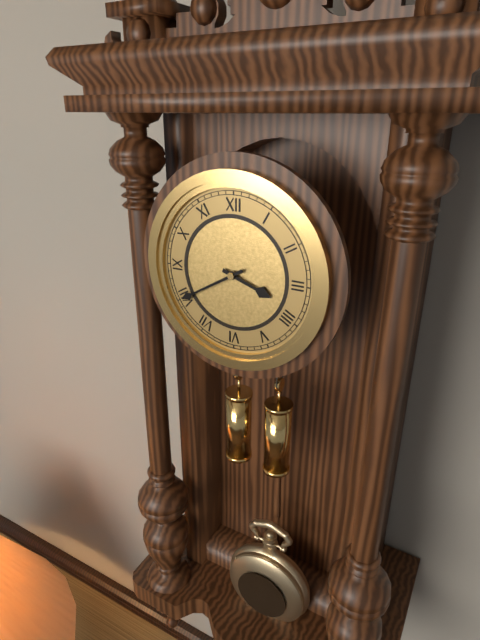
3:40
